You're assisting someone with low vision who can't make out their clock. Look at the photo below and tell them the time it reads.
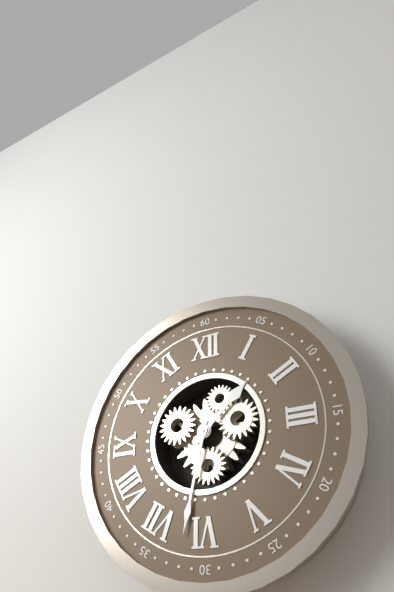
1:32
